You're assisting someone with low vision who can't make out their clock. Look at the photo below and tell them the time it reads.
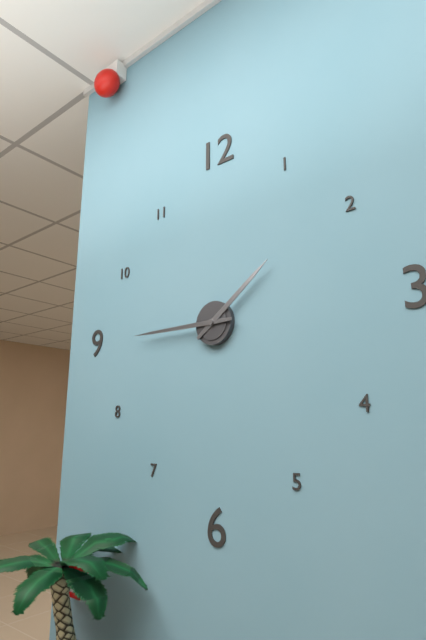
1:45
